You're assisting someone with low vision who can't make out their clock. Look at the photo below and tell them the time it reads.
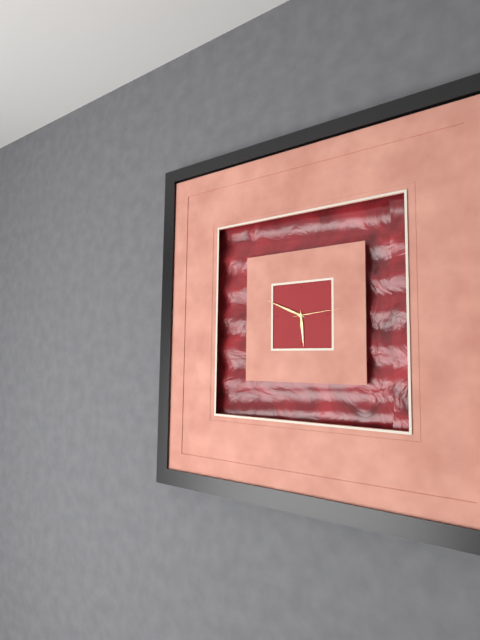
5:49:14
